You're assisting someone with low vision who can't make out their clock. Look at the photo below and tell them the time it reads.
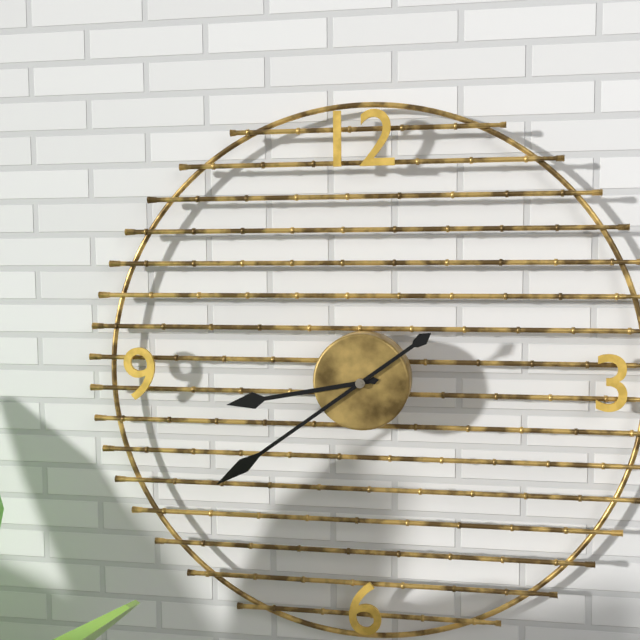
8:39
